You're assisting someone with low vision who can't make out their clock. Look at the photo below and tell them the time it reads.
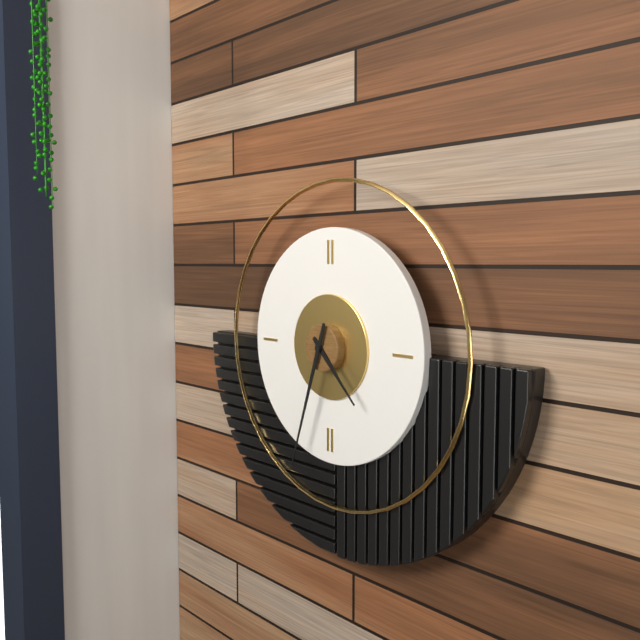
4:33
